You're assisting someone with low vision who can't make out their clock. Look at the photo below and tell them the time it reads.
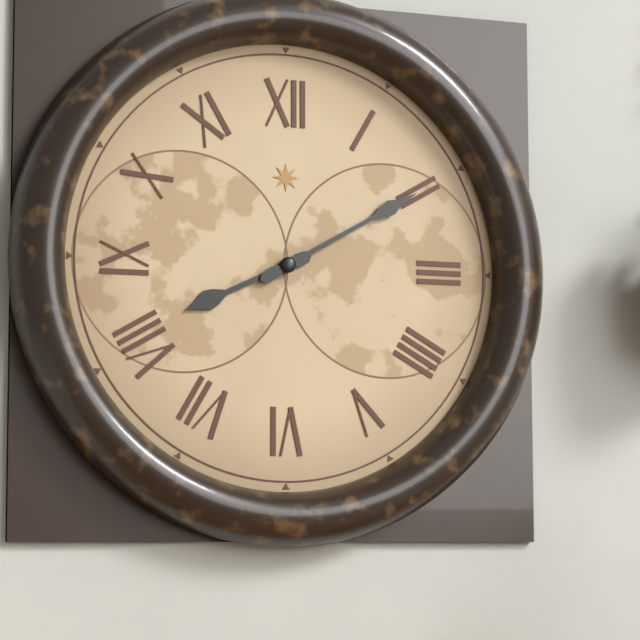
8:10
